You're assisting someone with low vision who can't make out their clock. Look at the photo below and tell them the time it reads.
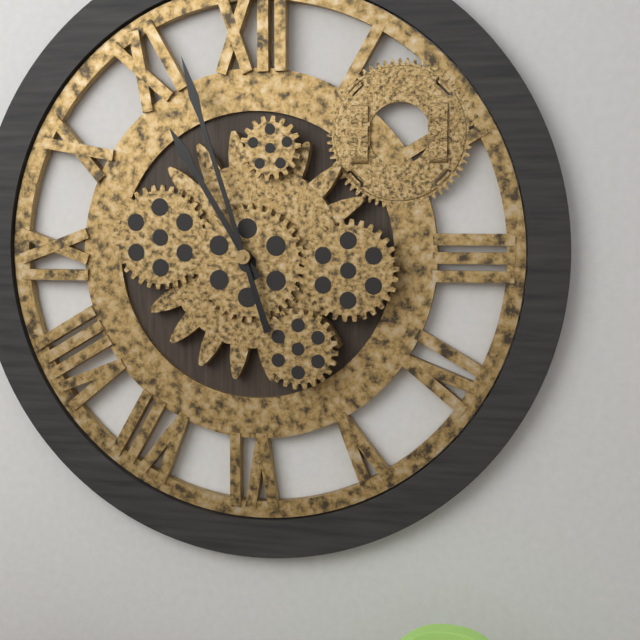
10:57
